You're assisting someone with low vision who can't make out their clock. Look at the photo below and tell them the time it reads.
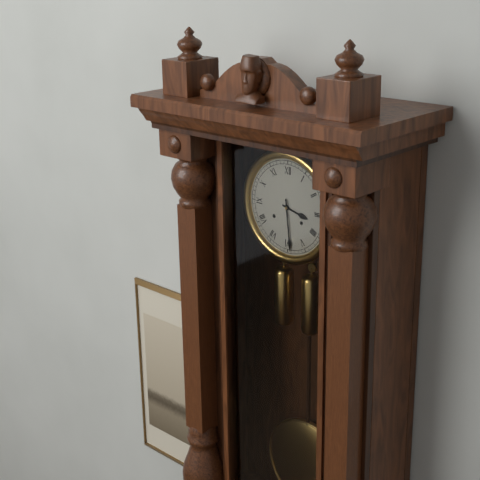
3:29
